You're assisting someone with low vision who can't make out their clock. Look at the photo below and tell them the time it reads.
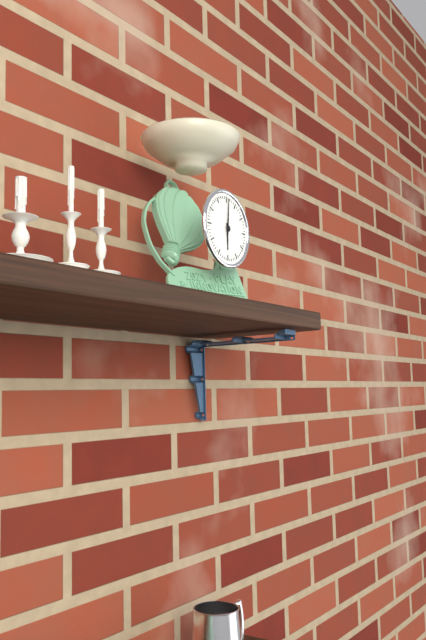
6:01
